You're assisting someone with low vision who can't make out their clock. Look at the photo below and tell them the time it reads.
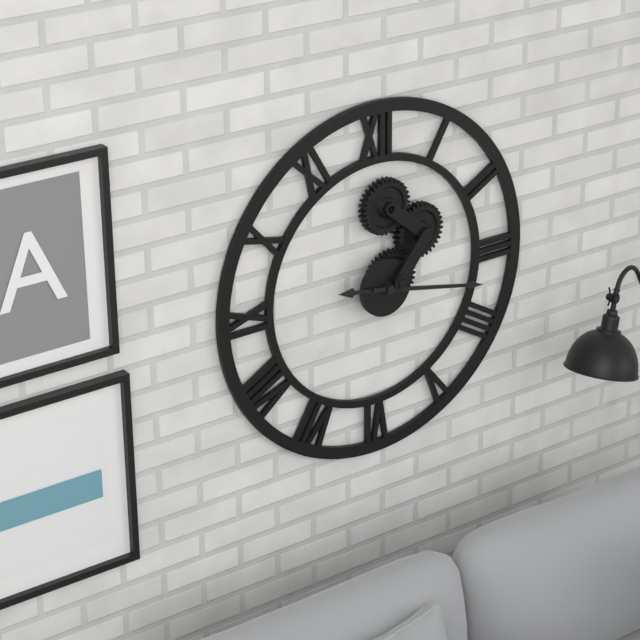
9:17
